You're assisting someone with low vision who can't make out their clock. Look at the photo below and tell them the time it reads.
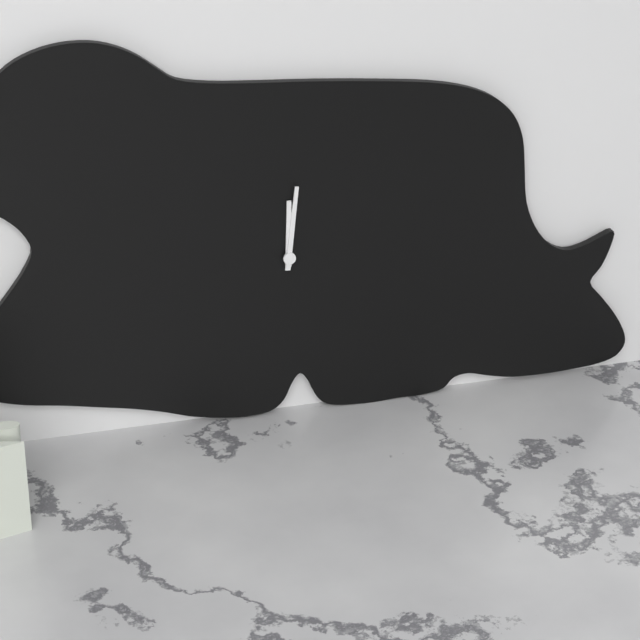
12:01
